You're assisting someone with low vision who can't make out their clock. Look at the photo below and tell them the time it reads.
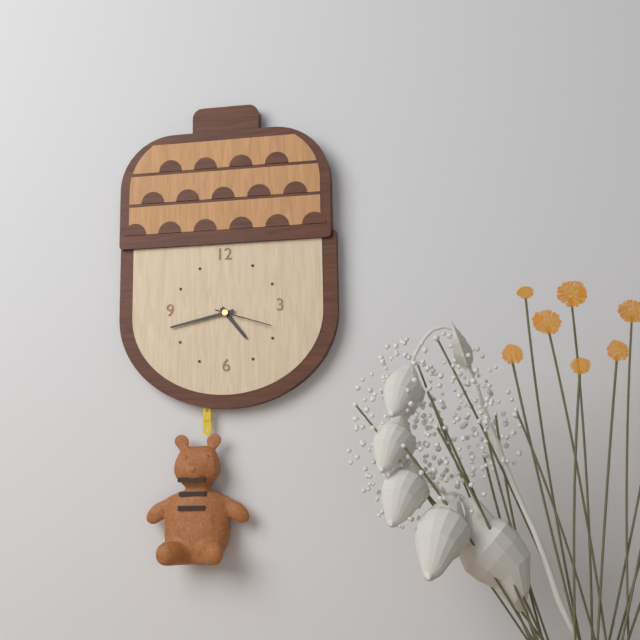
4:43:18
